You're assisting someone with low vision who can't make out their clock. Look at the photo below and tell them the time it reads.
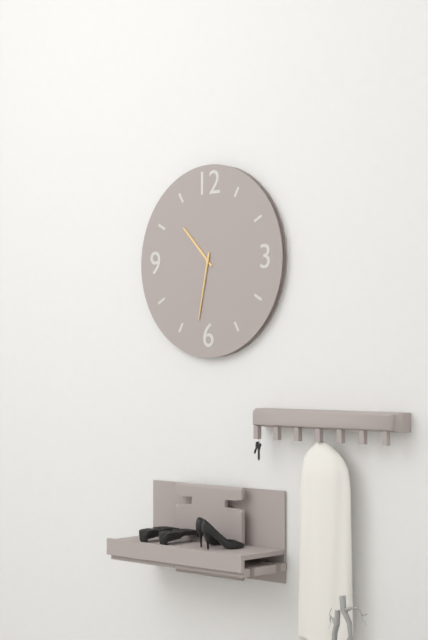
10:32
